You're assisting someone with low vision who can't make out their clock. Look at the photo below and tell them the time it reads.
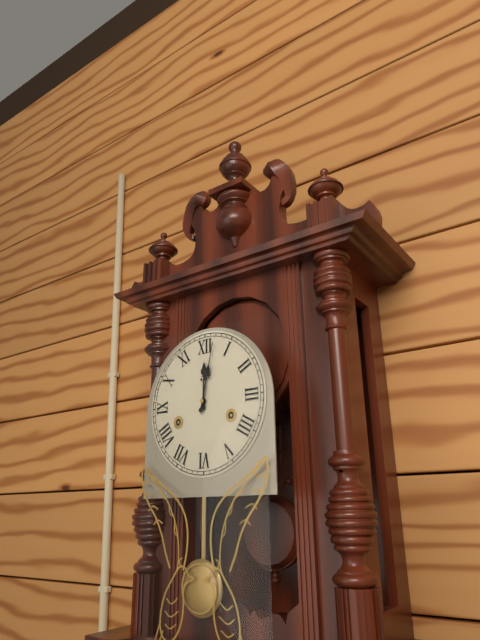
12:02
